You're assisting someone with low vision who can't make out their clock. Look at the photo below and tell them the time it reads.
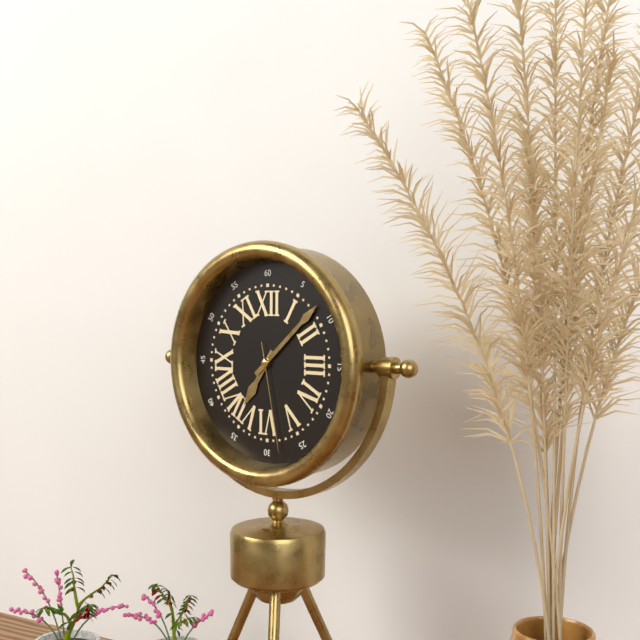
7:08:28
